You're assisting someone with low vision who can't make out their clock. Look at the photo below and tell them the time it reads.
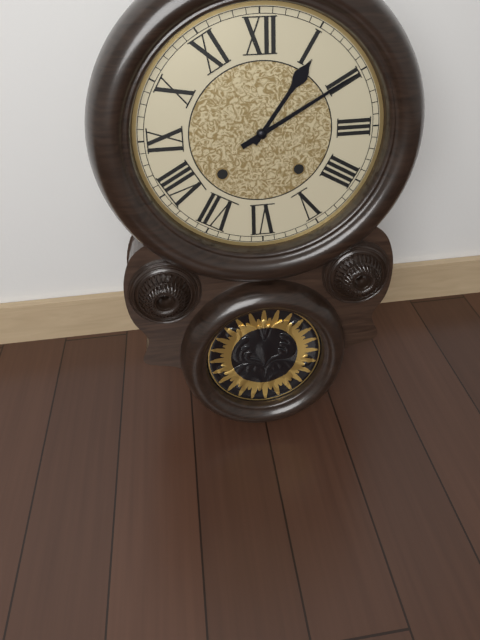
1:10
